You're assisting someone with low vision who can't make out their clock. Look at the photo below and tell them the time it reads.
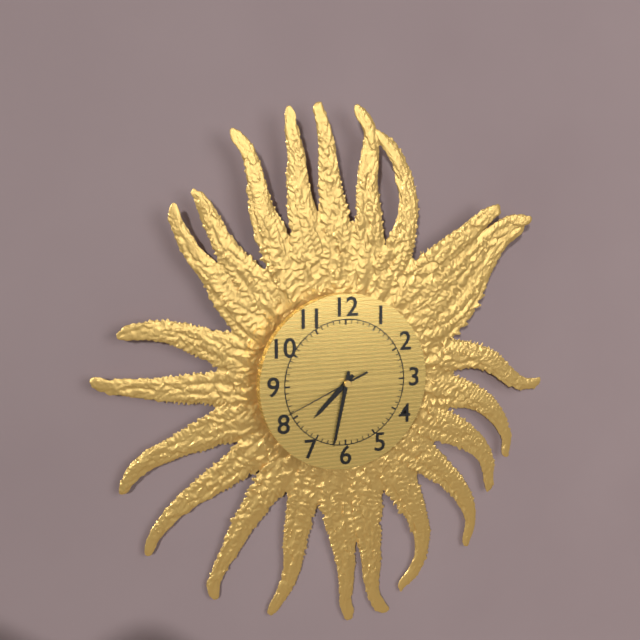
7:32:41
